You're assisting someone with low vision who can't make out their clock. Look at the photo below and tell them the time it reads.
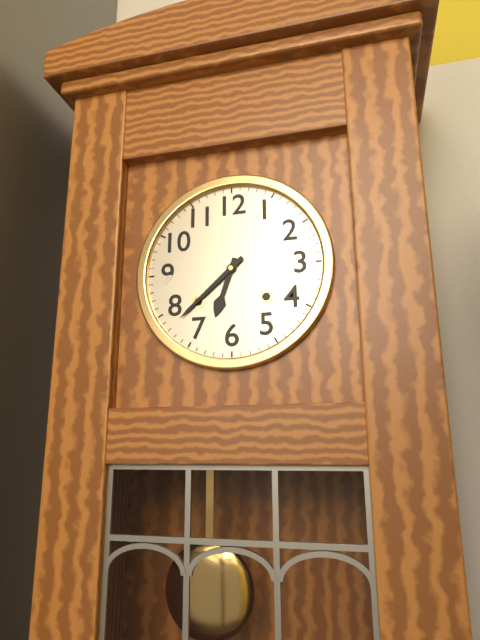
6:38
